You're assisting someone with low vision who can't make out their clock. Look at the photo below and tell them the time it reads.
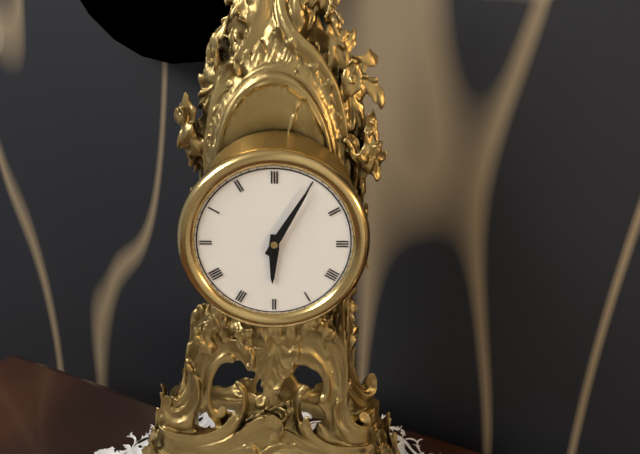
6:05
